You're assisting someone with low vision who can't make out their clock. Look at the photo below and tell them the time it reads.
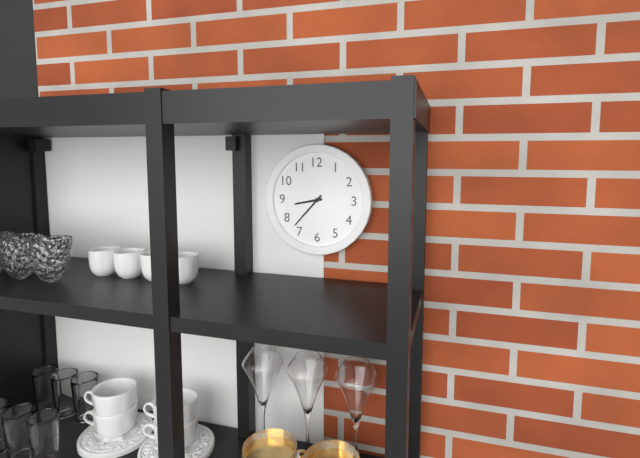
8:37
